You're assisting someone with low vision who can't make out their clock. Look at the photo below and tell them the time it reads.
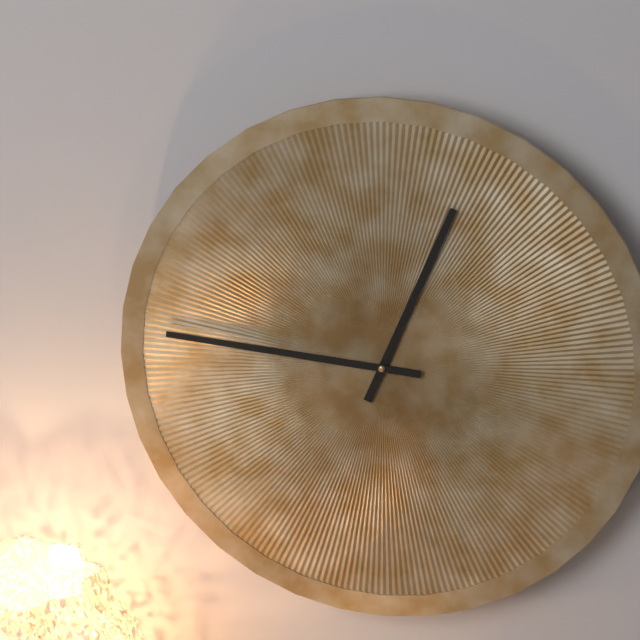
12:46
